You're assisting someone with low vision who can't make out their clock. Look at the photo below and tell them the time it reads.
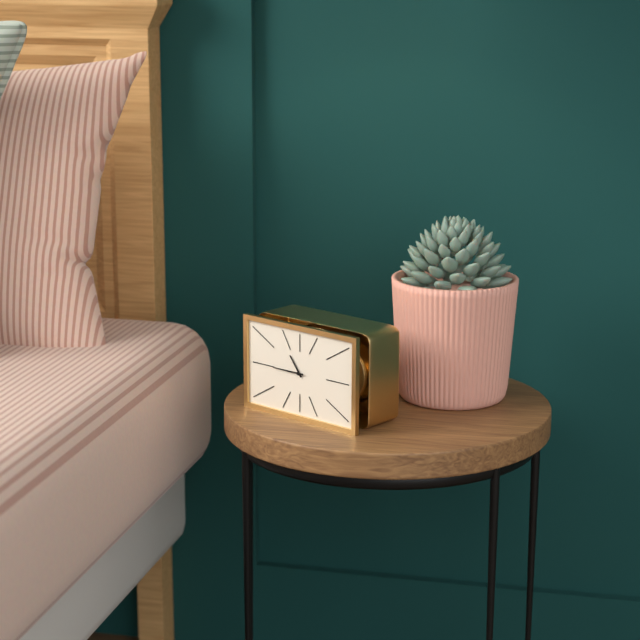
10:45
